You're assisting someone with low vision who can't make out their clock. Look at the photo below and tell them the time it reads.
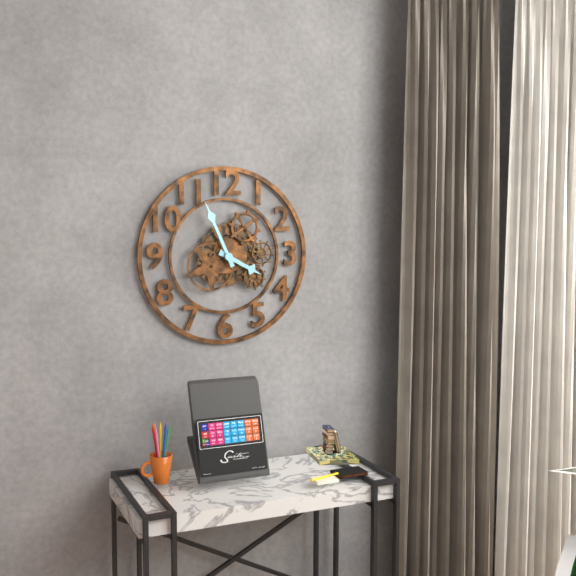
3:56
